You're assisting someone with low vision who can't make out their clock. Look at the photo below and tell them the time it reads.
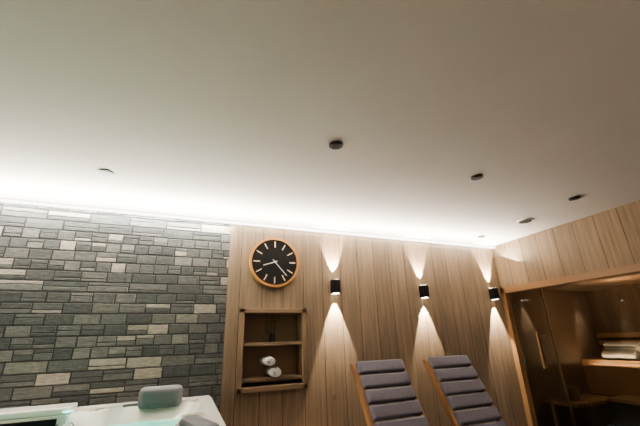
8:23
